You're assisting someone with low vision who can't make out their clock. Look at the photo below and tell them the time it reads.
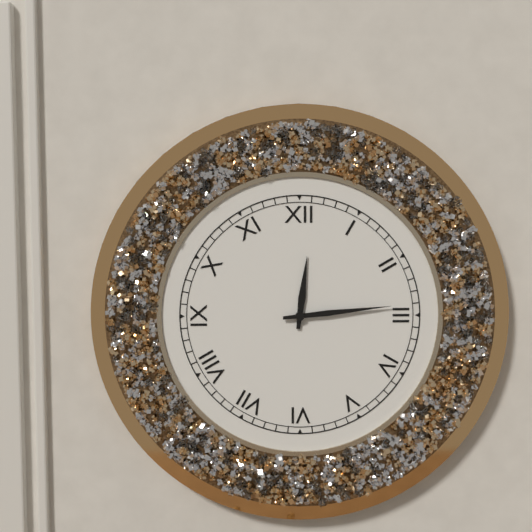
12:14
